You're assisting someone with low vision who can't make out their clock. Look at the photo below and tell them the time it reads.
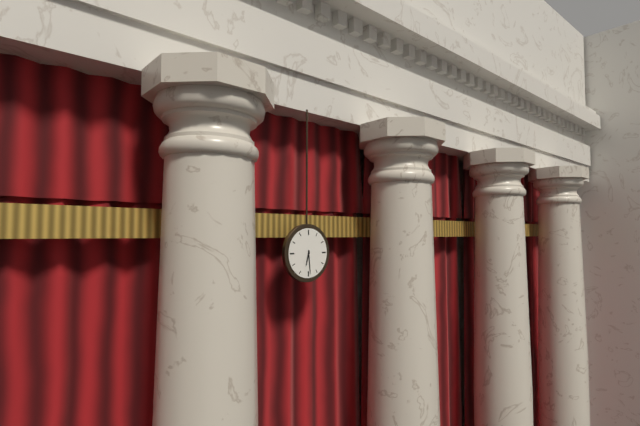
6:29
